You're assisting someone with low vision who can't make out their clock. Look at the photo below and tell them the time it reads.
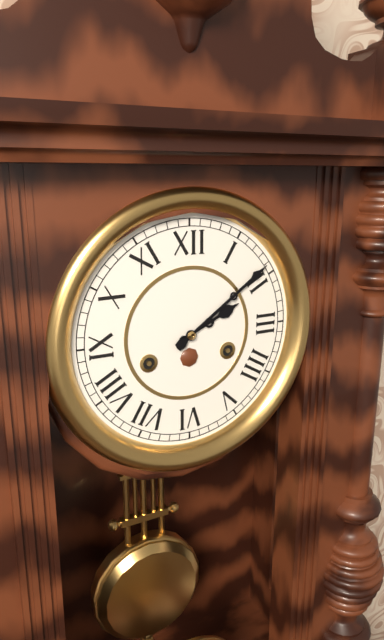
2:09
